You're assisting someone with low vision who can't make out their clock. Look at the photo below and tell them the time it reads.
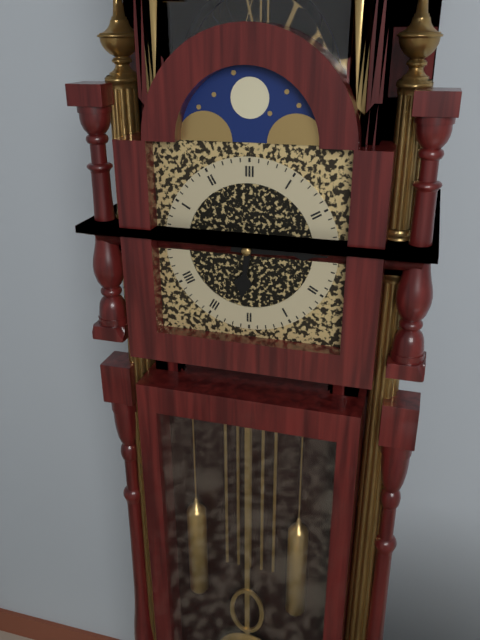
6:15
